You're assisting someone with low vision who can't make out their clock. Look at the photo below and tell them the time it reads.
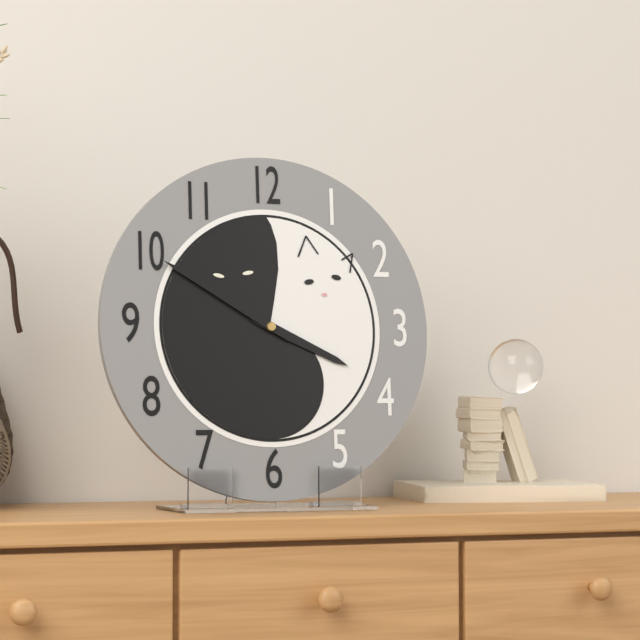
3:50
